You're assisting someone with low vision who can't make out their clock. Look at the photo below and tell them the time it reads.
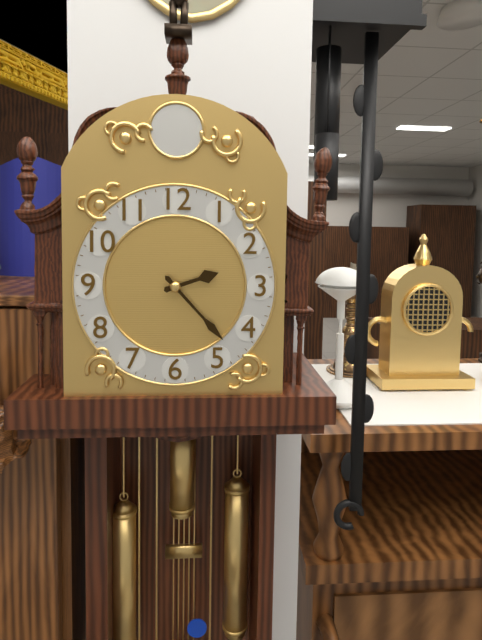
2:23
